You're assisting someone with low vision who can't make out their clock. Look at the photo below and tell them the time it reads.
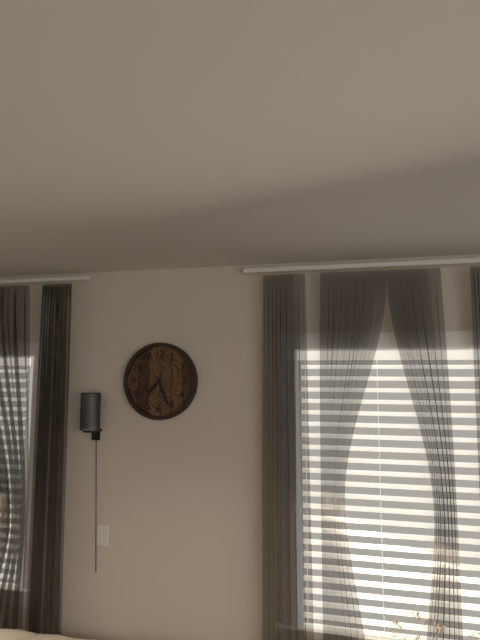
7:26
